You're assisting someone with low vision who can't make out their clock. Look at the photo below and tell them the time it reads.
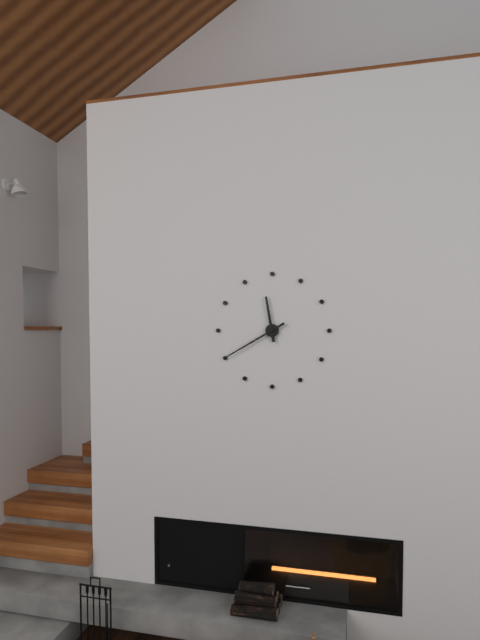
11:40
